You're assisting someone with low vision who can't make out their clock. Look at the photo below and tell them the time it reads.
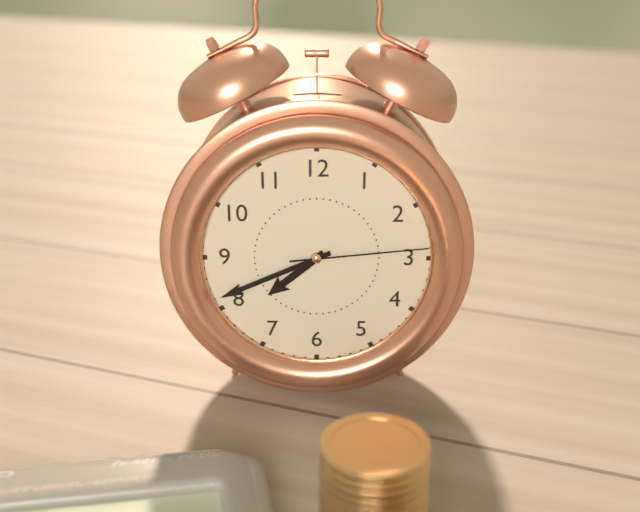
7:41:14
